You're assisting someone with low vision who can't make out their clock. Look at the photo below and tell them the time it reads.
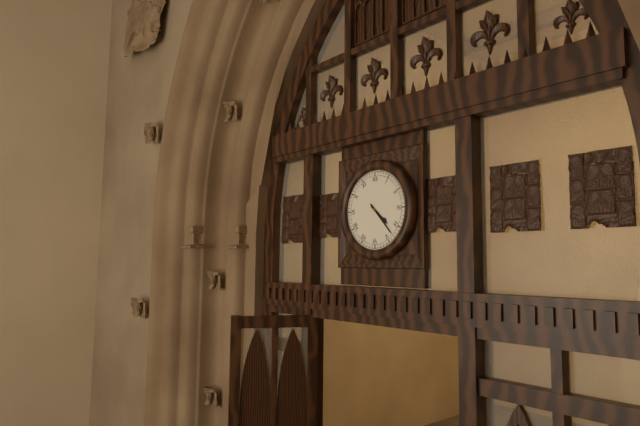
4:23
